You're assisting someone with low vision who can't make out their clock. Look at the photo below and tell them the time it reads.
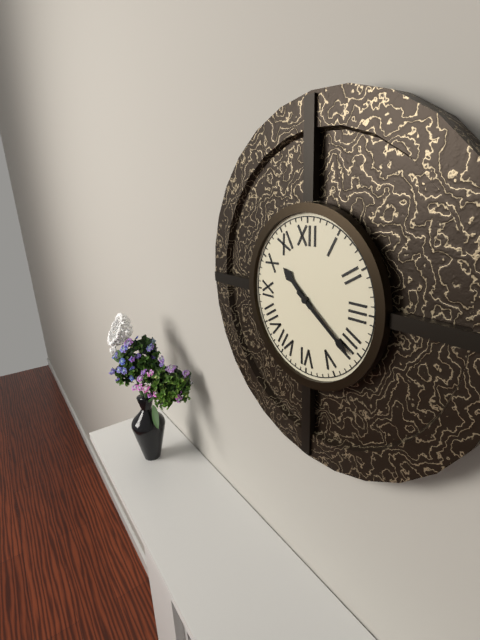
10:21
